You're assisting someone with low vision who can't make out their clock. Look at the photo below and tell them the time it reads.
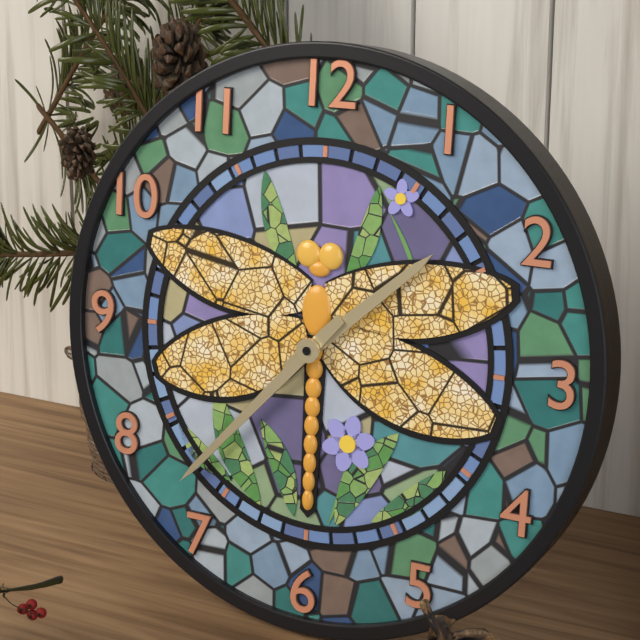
1:37
